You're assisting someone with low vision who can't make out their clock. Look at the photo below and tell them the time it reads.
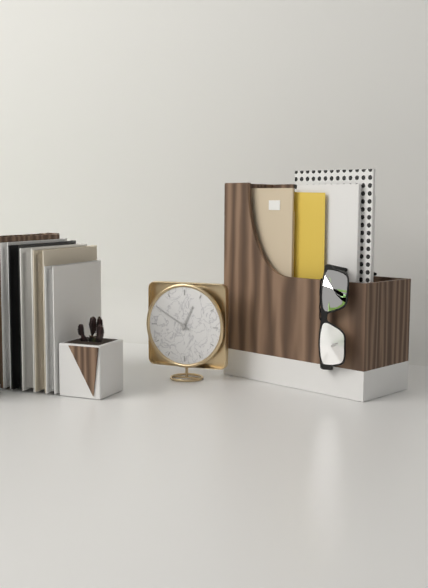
12:50
